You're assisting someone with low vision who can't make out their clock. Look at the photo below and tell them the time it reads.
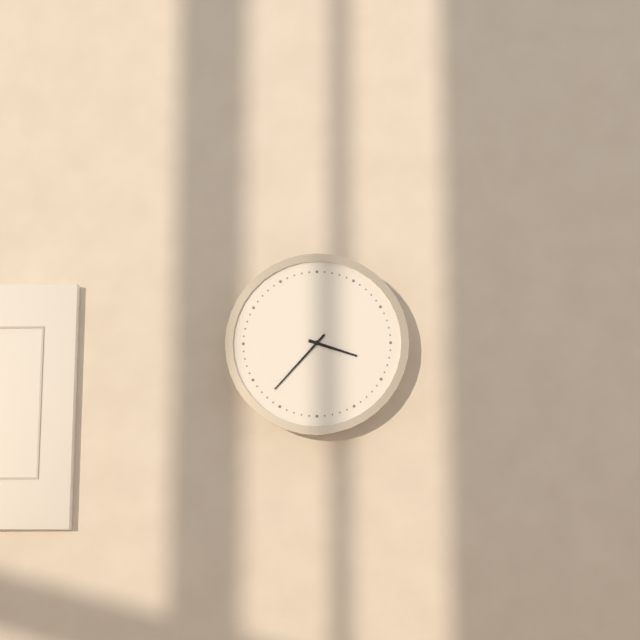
3:37
